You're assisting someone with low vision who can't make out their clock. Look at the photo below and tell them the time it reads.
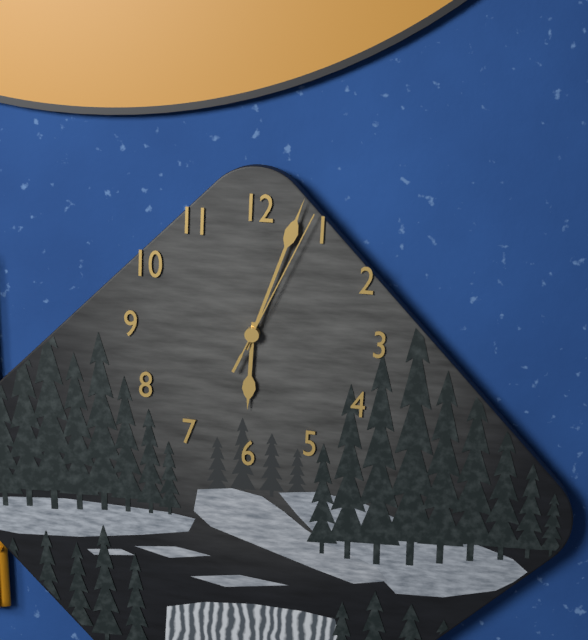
6:03:04
